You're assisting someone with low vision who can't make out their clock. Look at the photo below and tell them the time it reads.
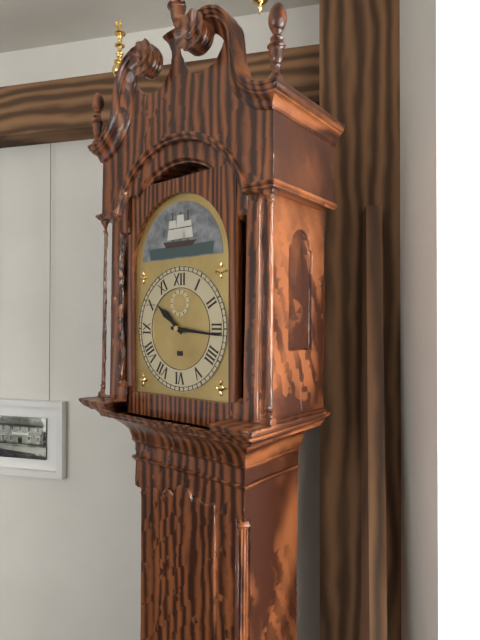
10:16
